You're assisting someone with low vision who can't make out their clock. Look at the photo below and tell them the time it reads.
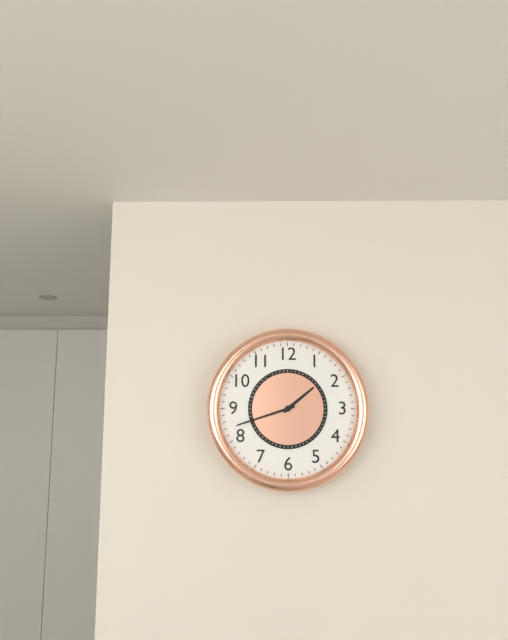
1:42
